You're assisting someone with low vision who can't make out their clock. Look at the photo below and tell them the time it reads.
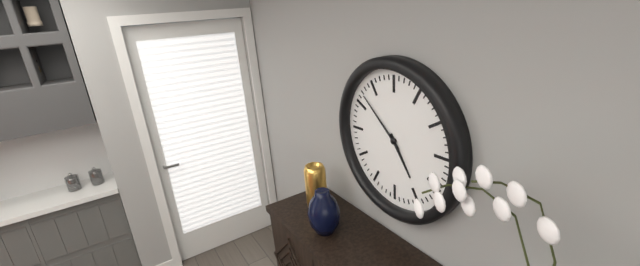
4:52
